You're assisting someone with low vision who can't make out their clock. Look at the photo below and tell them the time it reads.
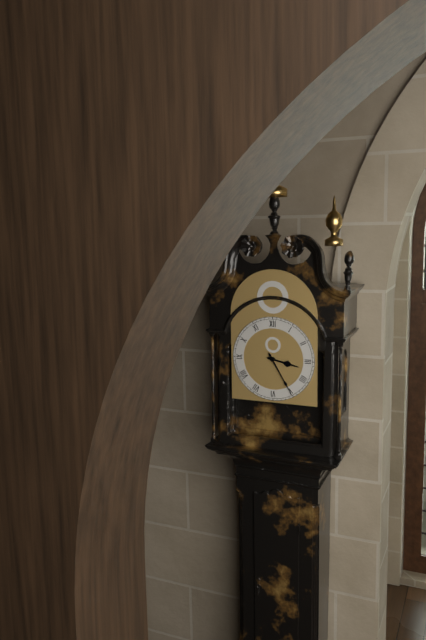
3:25
